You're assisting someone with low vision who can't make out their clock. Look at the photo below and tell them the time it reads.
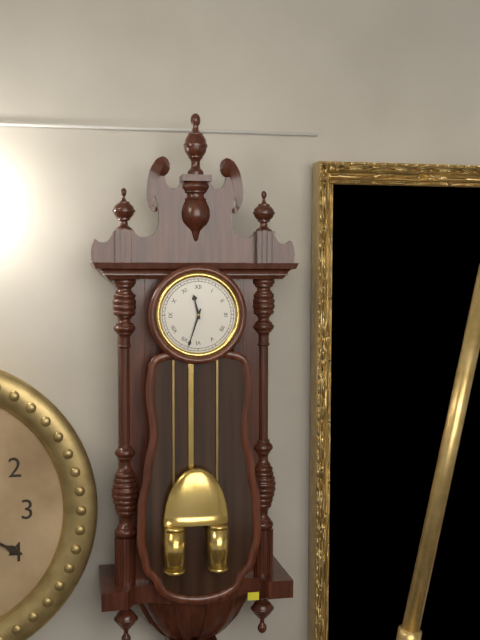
11:33
